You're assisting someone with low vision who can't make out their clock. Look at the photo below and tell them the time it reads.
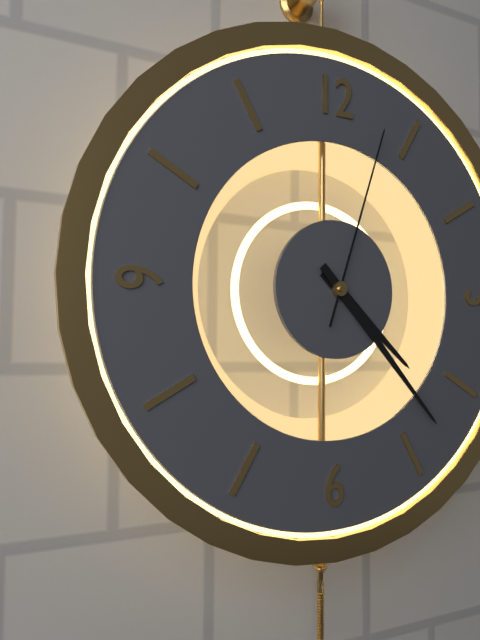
4:23:03
